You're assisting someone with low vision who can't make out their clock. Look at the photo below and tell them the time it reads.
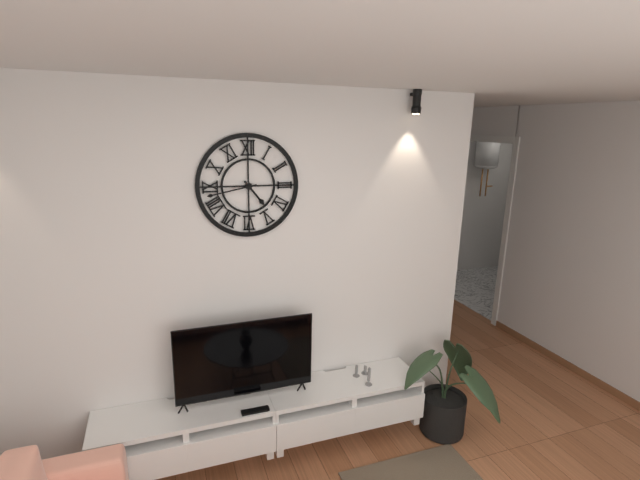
4:43
